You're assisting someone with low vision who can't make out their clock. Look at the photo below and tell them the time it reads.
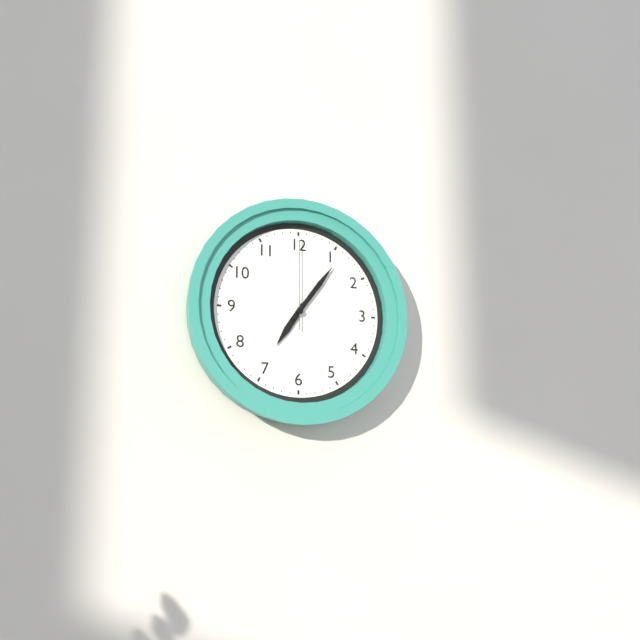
7:06:00
